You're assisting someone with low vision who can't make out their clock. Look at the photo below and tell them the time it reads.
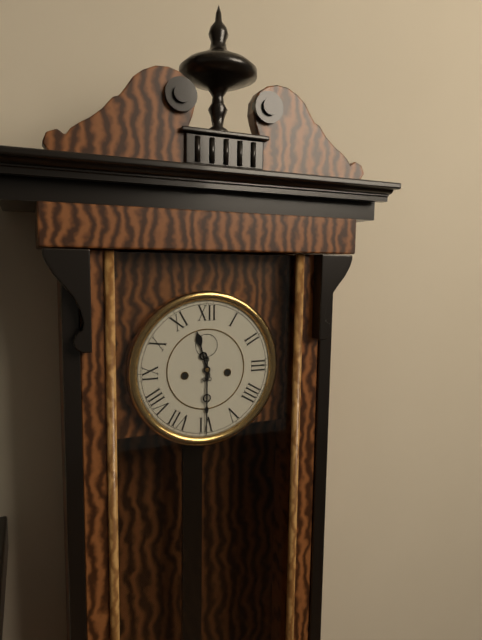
11:30
